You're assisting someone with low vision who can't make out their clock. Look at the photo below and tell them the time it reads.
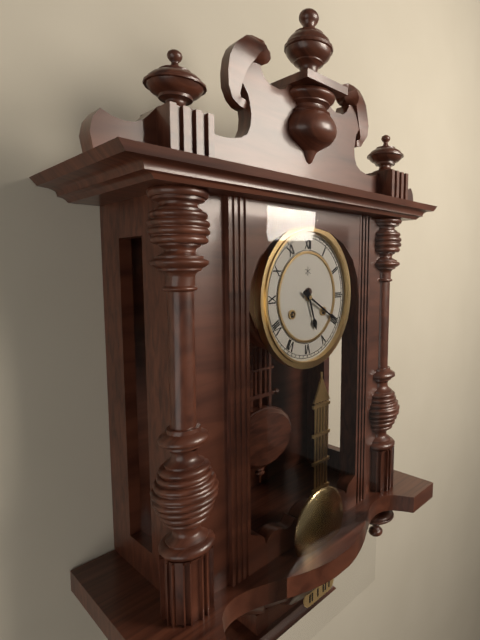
5:20
